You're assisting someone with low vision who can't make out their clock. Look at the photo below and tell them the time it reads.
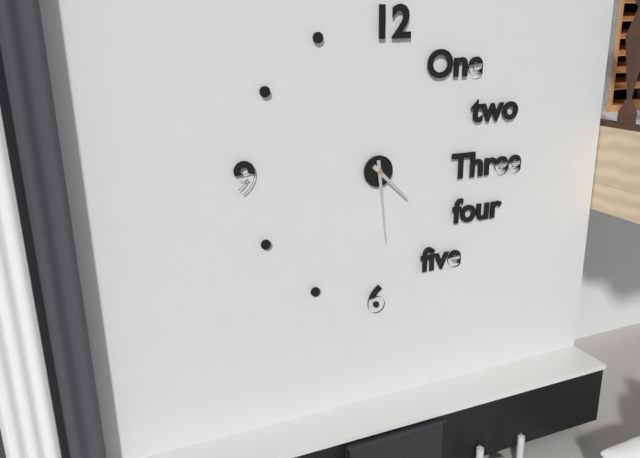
4:29
